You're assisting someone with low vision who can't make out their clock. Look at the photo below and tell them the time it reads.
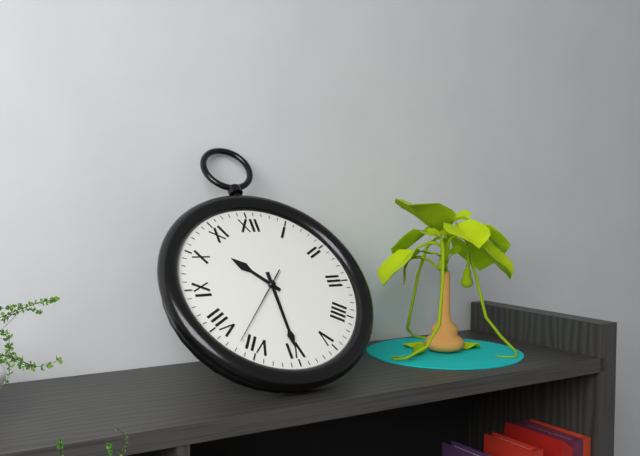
10:30:37
